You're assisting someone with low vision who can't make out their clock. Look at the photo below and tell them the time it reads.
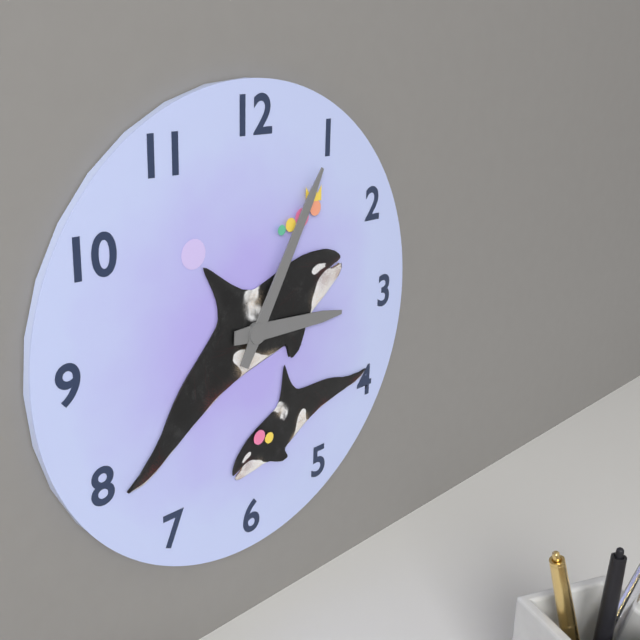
3:05
